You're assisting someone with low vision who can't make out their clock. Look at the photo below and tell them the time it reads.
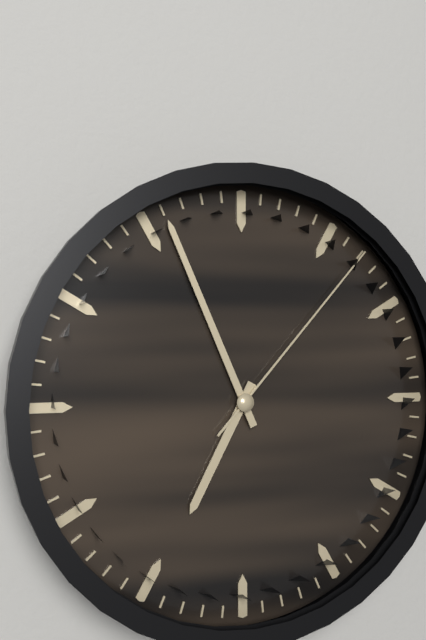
6:56:07
